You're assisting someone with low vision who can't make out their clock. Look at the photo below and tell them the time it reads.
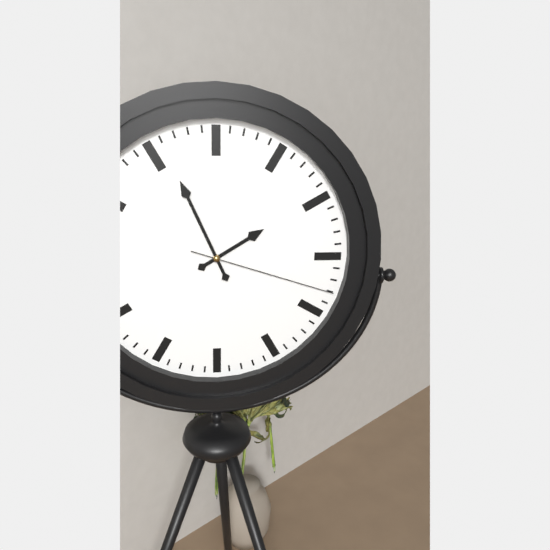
1:56:18
